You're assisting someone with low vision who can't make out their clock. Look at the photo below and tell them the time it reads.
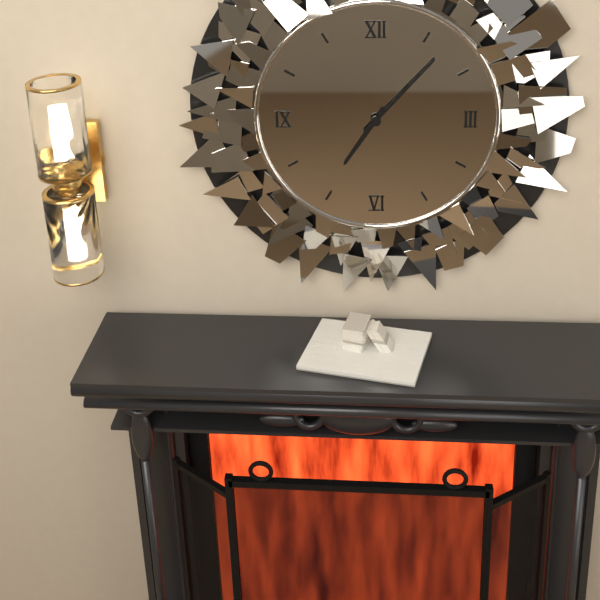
7:07
